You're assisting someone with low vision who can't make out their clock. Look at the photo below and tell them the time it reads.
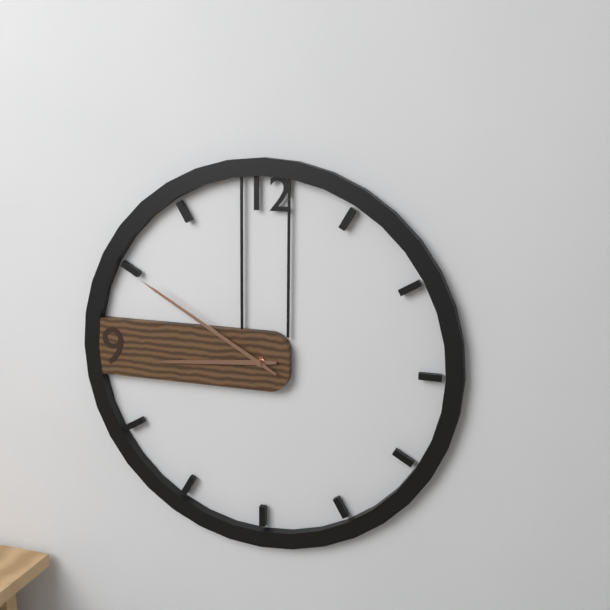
8:50
